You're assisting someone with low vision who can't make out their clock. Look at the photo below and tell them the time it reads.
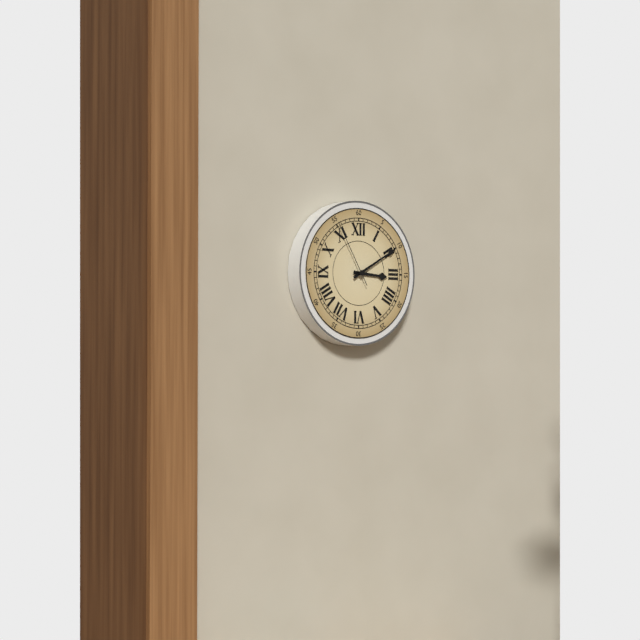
3:10:55
